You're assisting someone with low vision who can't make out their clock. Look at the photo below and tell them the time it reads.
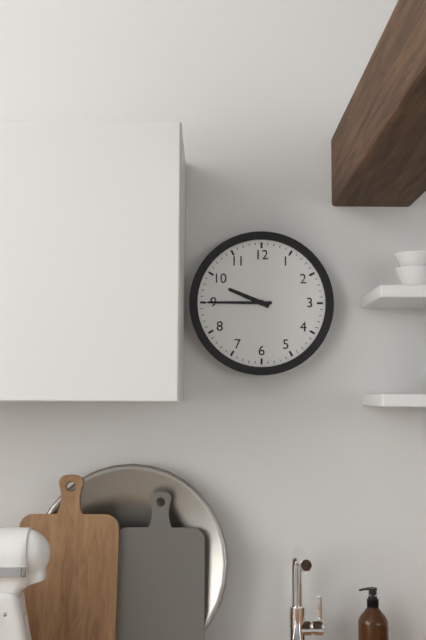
9:45
